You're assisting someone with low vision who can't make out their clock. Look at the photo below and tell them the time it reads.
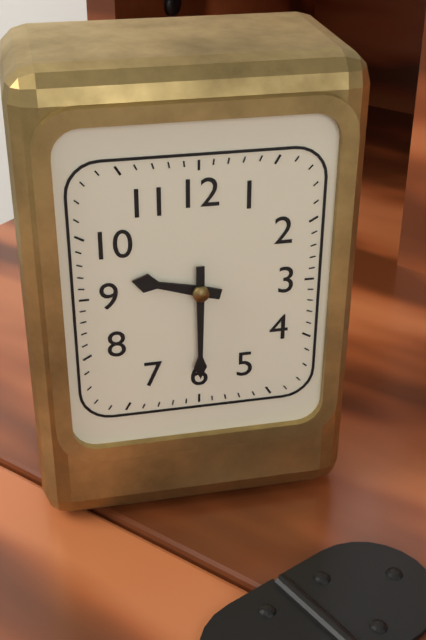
9:30
